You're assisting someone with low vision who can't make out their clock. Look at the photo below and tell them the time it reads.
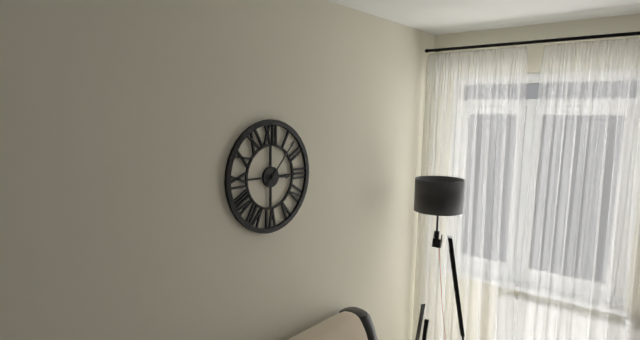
3:07
